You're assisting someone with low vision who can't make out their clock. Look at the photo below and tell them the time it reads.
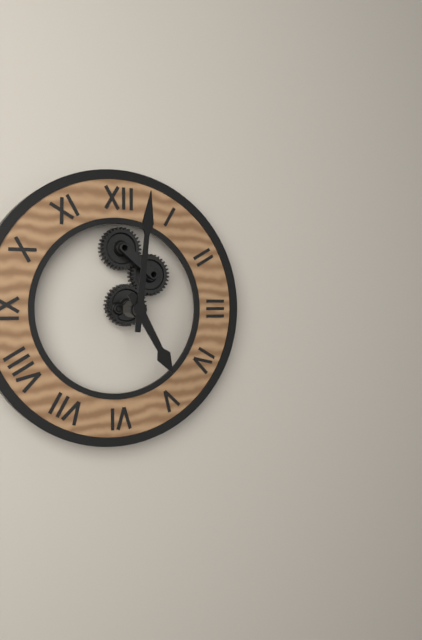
5:01
